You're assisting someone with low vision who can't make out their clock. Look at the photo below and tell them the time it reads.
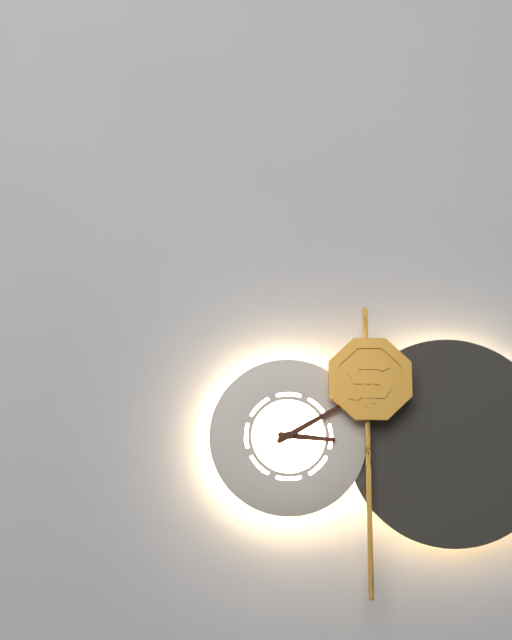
3:10
